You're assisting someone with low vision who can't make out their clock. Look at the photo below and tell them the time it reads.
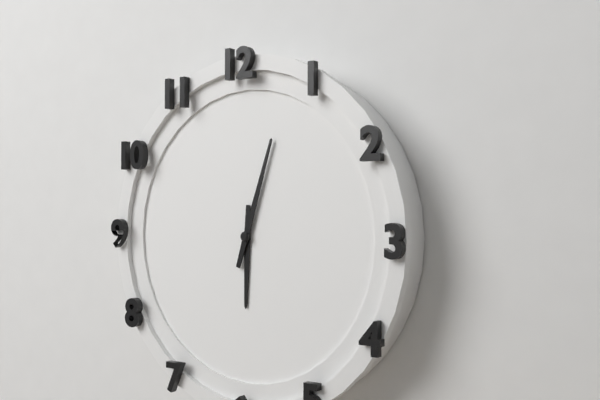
6:03
